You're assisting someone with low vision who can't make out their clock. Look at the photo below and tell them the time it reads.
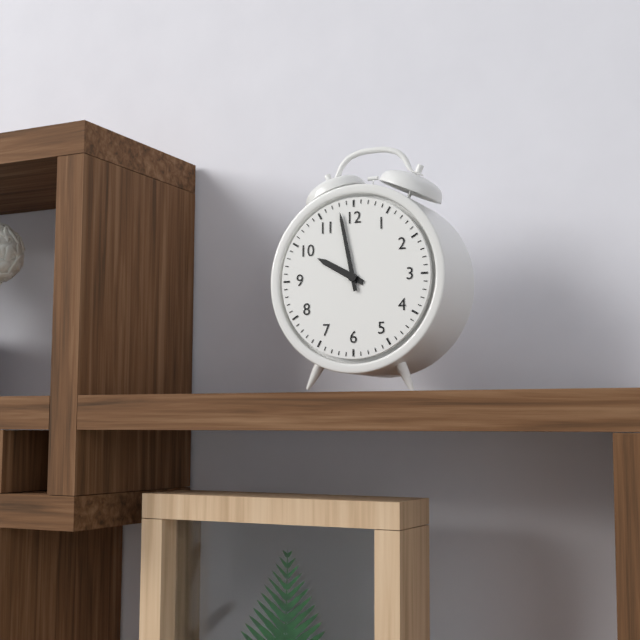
9:58
